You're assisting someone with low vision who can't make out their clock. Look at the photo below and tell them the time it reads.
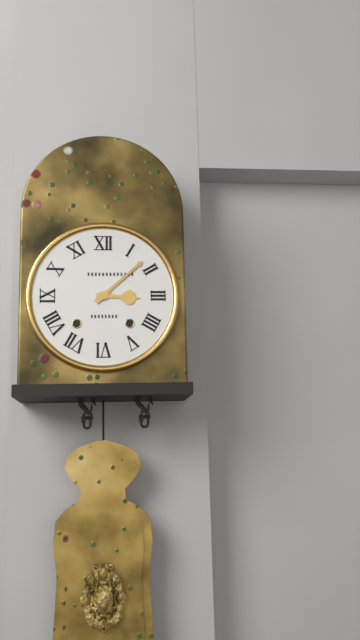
3:08
